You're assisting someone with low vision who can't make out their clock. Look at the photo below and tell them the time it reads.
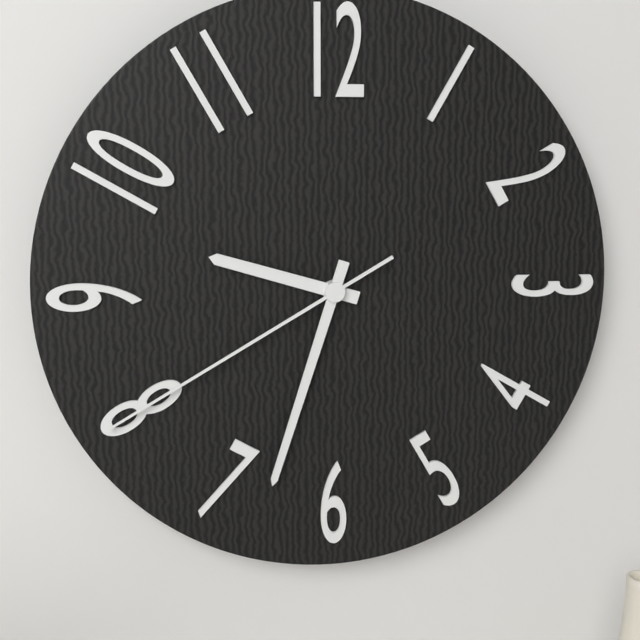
9:33:40
